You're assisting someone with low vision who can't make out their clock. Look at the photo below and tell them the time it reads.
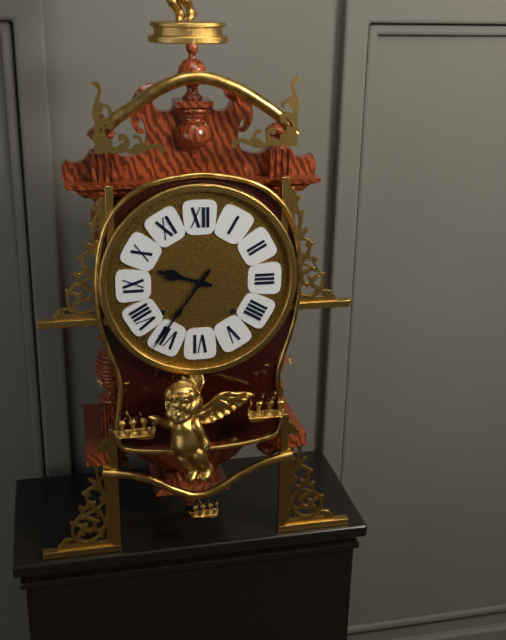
9:36
